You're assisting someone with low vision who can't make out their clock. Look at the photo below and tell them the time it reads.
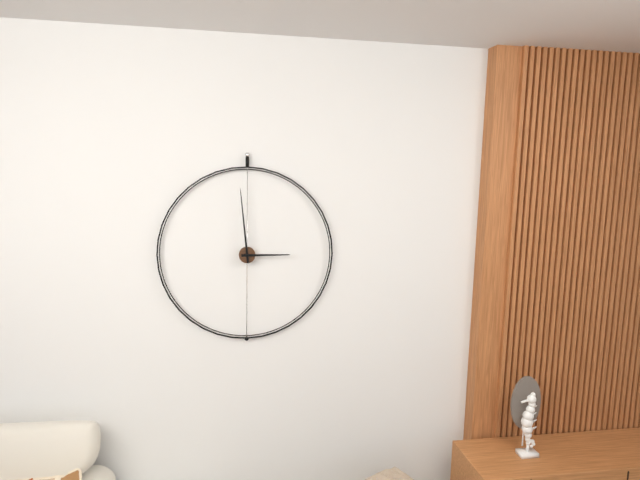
2:59
